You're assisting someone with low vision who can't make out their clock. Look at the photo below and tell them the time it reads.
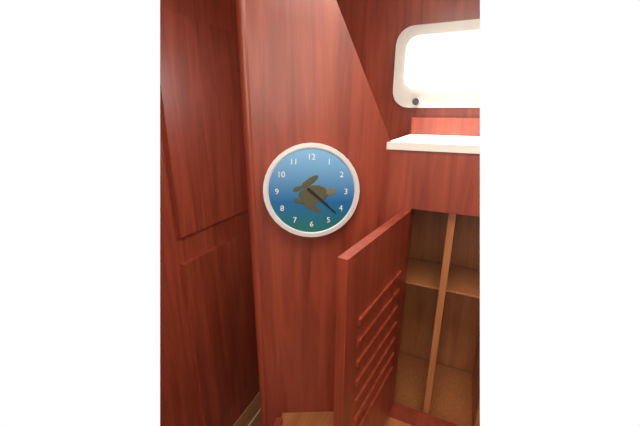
4:22
